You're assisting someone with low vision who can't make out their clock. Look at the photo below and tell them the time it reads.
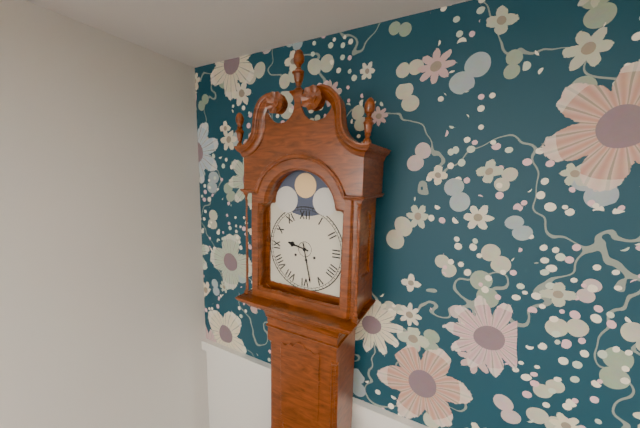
9:28
